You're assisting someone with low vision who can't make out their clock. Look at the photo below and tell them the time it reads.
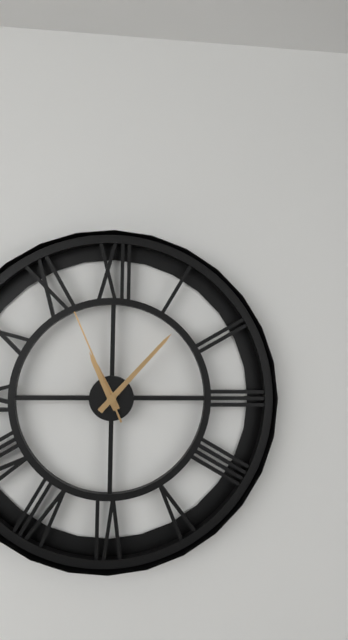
11:07:56
